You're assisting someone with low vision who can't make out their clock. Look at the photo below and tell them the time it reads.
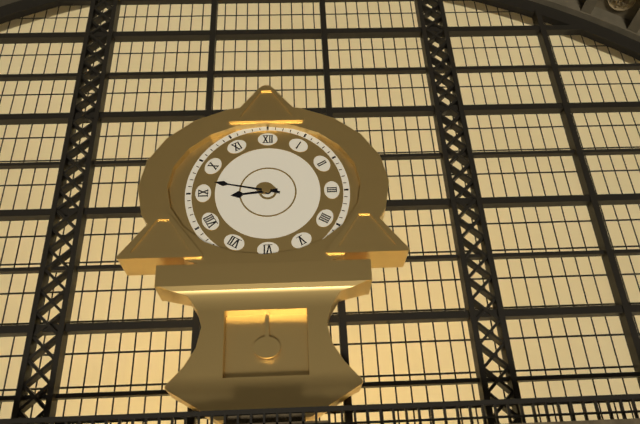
8:47
